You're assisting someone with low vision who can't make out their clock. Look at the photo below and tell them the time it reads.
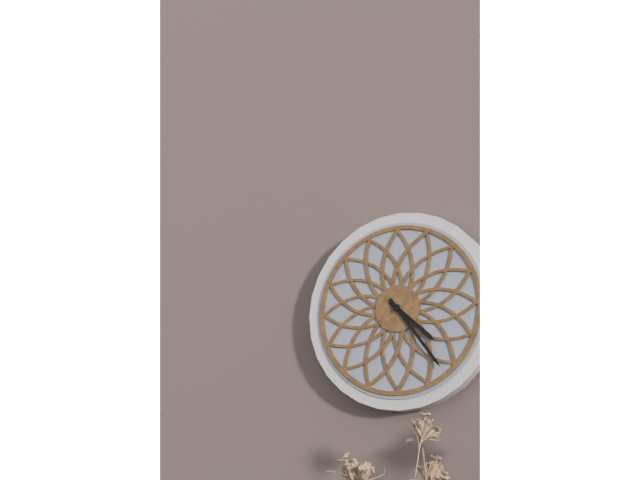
4:24
